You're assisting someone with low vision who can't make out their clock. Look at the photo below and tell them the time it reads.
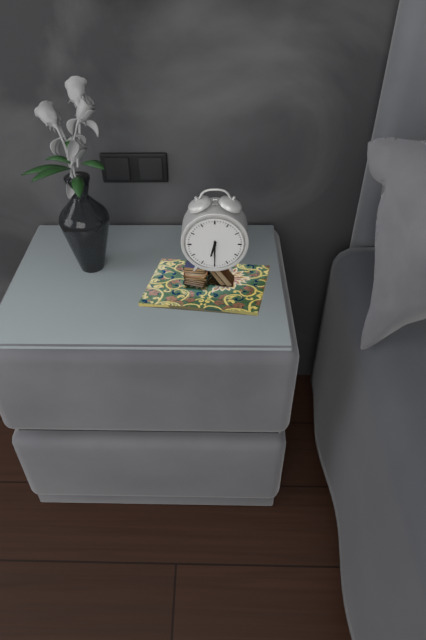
6:30
